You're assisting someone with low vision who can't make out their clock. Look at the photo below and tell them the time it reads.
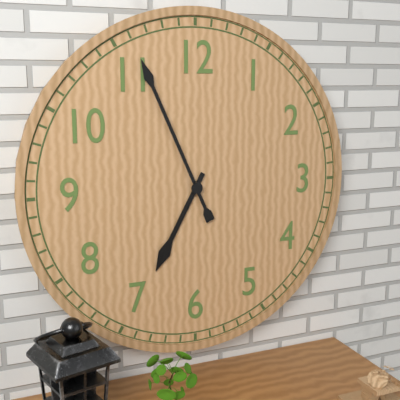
6:56
